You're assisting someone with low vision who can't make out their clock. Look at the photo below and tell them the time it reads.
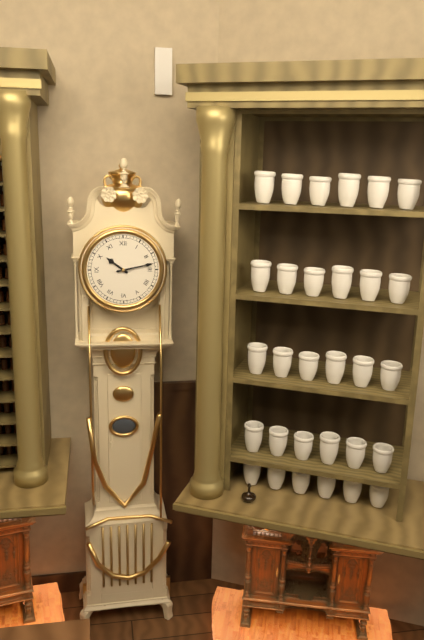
10:13
